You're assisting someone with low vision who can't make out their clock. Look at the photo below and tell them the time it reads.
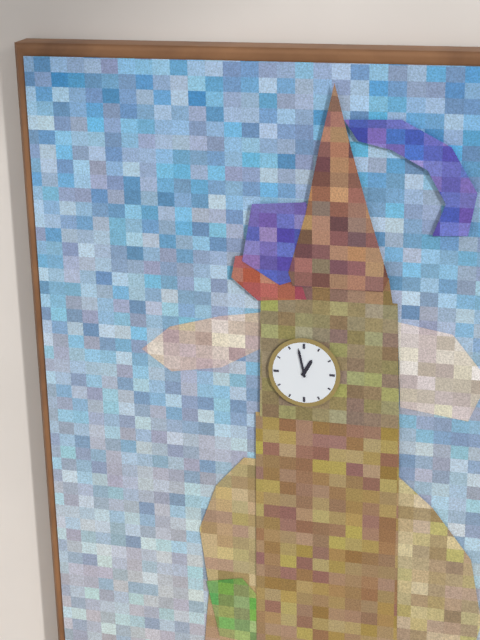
12:58
